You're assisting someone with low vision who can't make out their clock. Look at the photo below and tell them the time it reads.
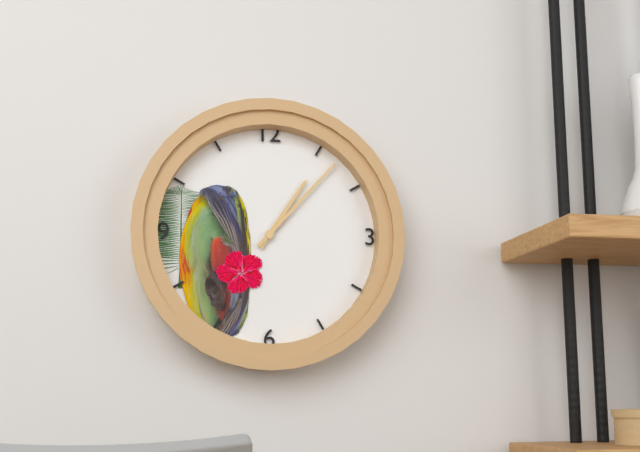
1:07
